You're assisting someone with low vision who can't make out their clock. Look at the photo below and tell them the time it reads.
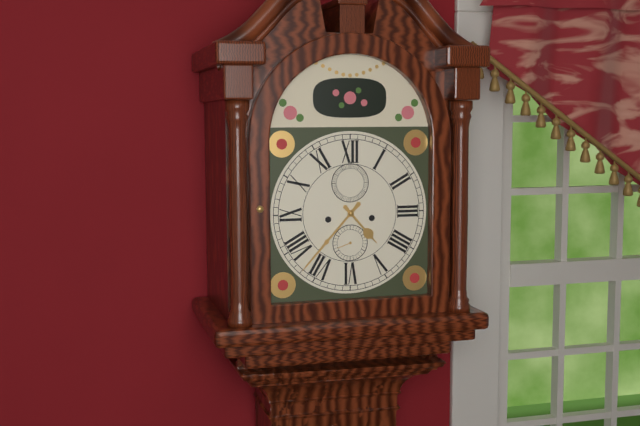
4:37
